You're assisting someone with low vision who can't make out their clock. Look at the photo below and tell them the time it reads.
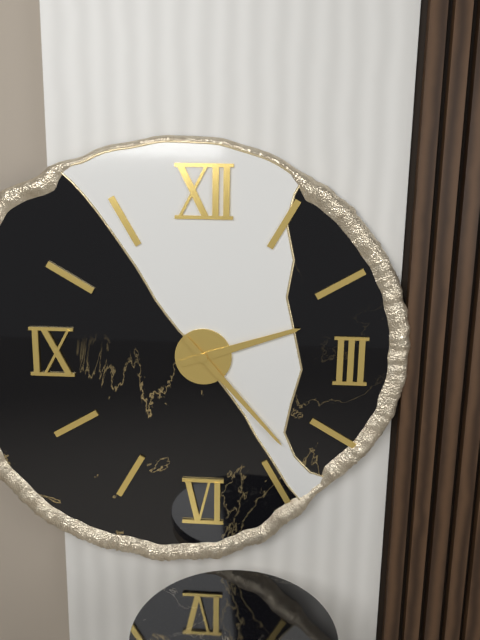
2:23
